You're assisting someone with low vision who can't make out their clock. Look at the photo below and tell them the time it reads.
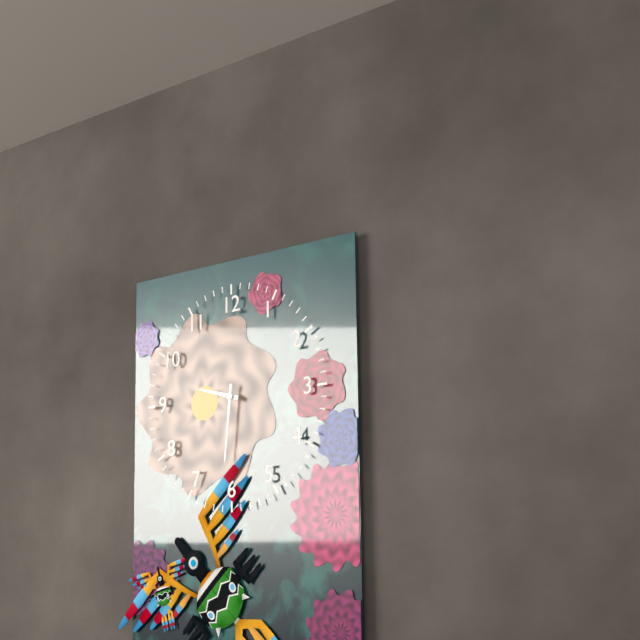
9:31
